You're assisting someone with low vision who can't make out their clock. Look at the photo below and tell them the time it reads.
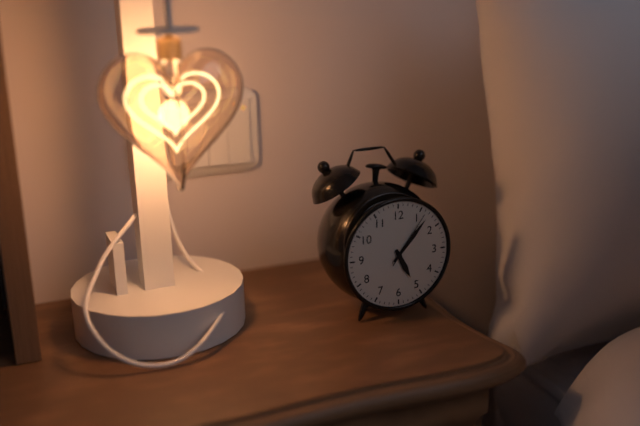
5:07:06
